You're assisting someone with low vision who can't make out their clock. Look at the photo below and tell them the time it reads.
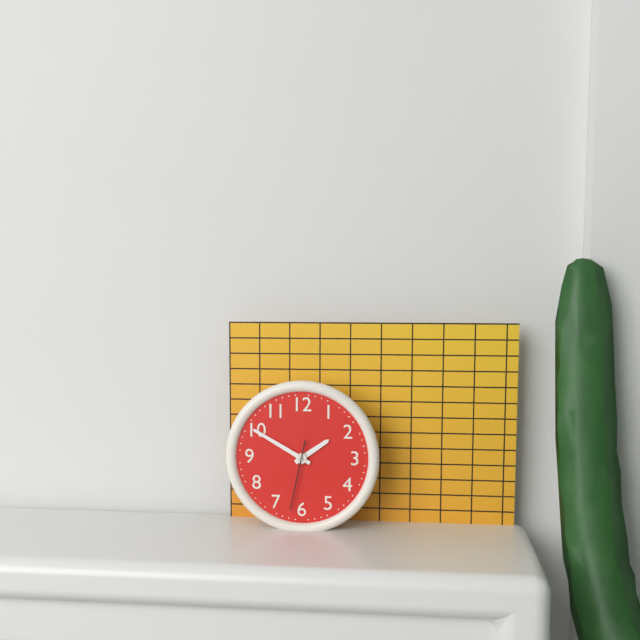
1:50:32
